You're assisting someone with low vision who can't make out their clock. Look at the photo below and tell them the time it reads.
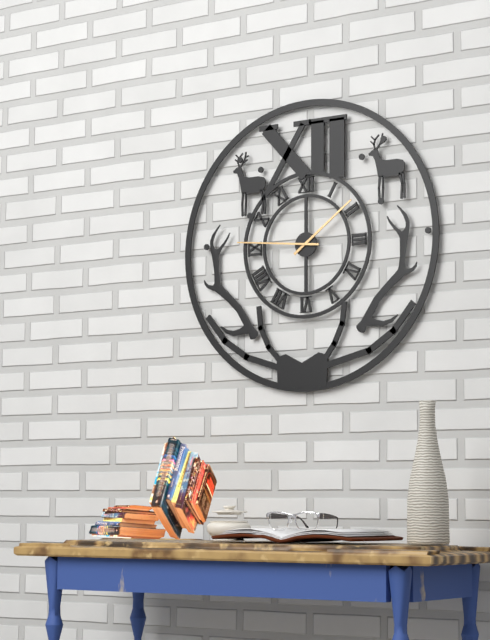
1:46
